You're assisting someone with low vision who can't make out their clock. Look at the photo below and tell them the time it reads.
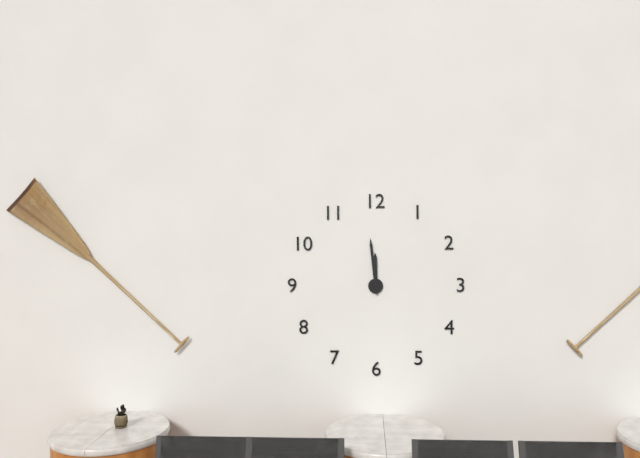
11:59
